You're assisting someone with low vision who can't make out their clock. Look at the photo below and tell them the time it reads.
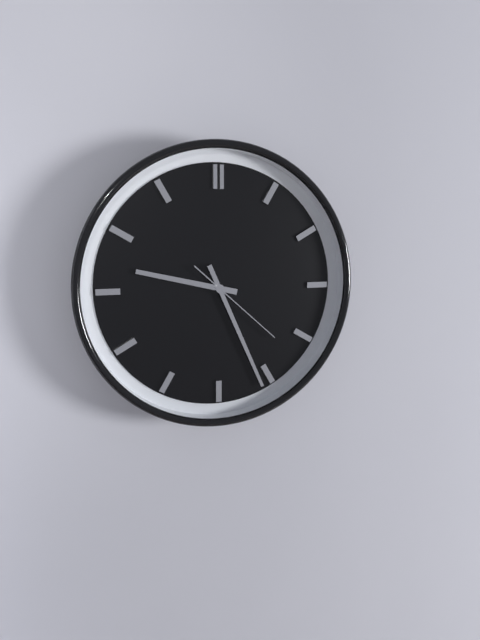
9:26:22
